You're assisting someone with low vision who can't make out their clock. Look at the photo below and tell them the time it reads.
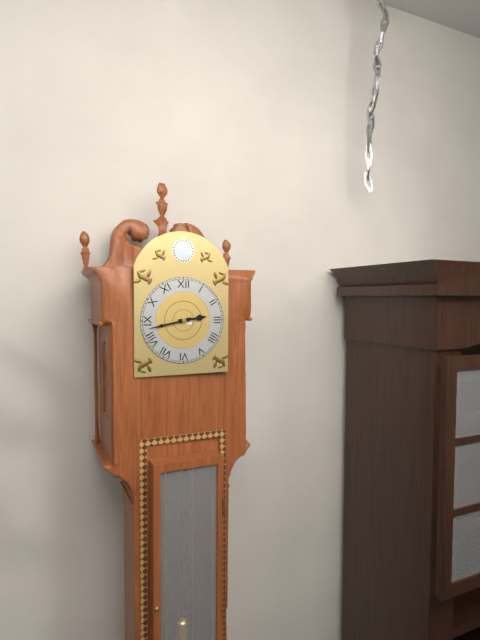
2:43
